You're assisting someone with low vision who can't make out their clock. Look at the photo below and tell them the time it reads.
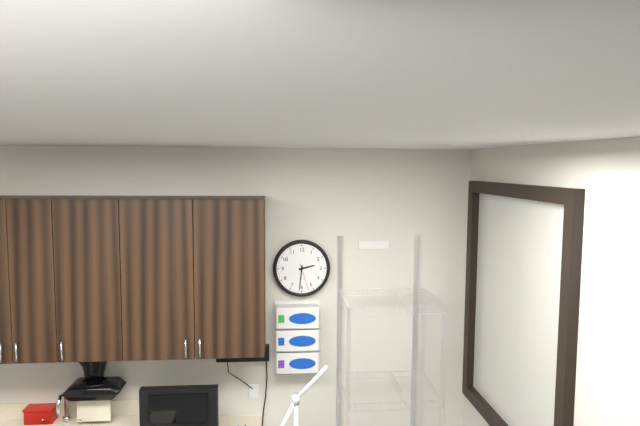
2:31
